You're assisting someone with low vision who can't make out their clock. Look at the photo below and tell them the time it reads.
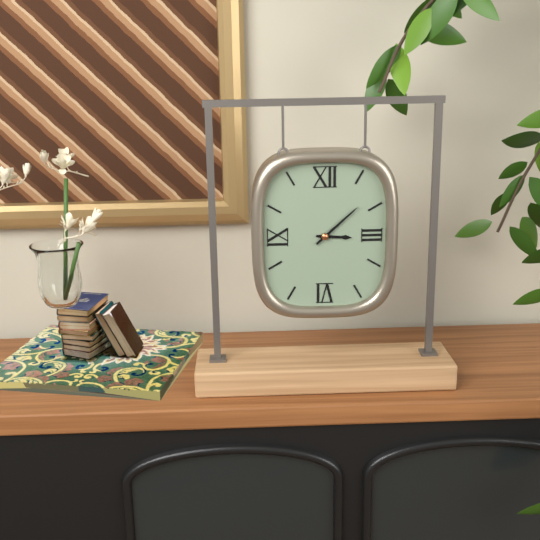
3:08
